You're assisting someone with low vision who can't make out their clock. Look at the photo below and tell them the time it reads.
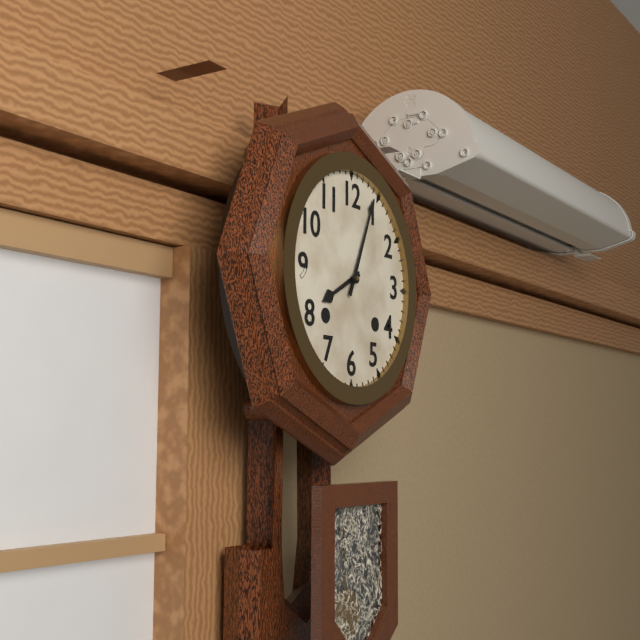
8:04
